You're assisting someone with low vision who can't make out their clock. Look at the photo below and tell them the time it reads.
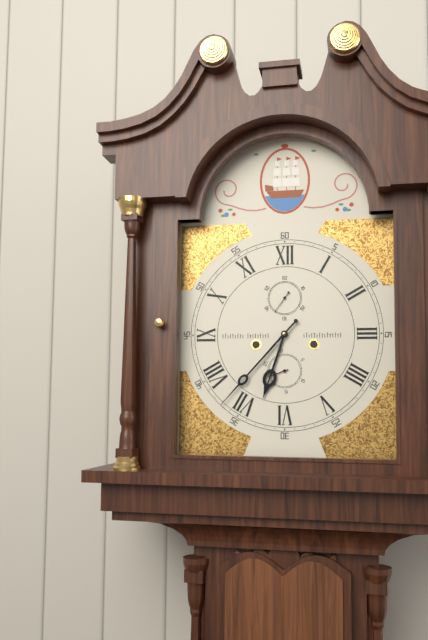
6:37
